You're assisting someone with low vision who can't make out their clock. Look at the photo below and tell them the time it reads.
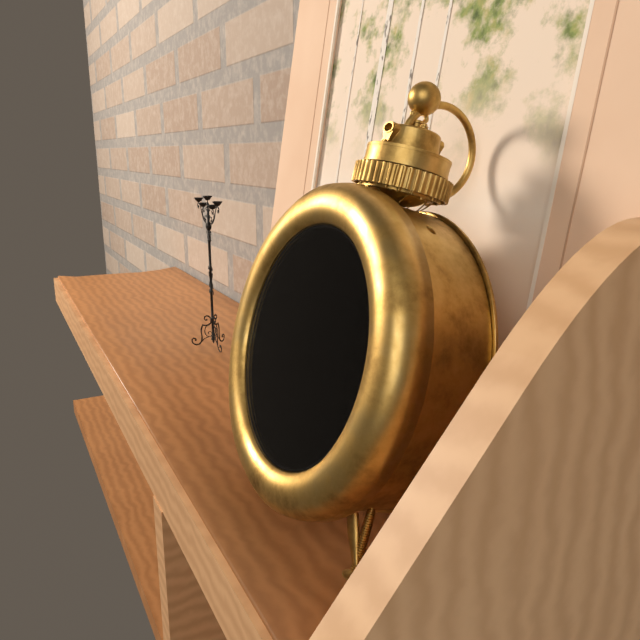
3:31:43
